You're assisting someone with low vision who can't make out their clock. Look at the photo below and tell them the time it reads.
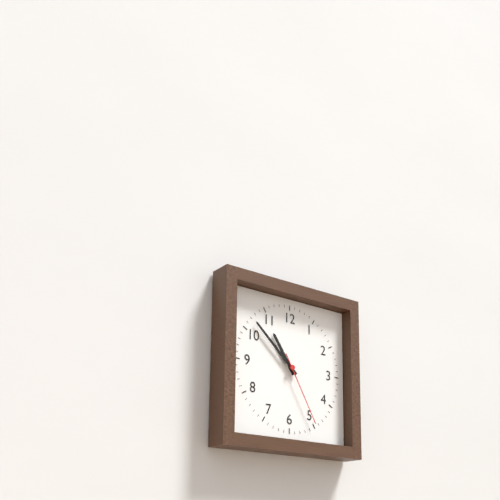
10:52:25
